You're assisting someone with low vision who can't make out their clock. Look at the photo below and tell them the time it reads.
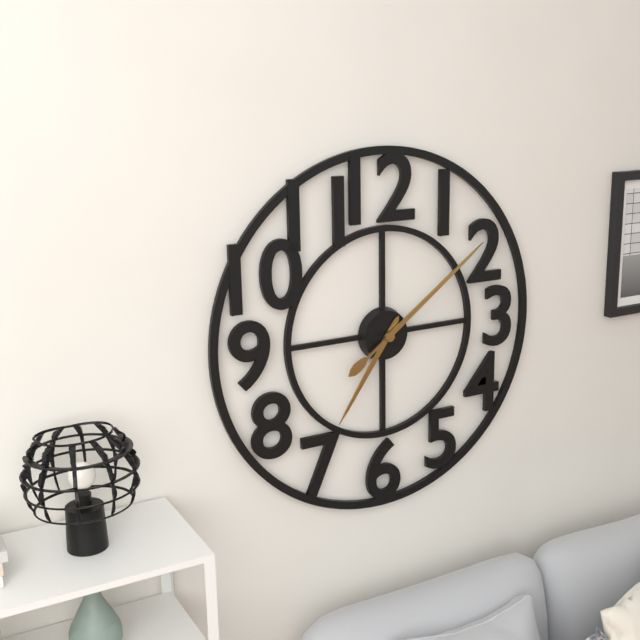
7:09
